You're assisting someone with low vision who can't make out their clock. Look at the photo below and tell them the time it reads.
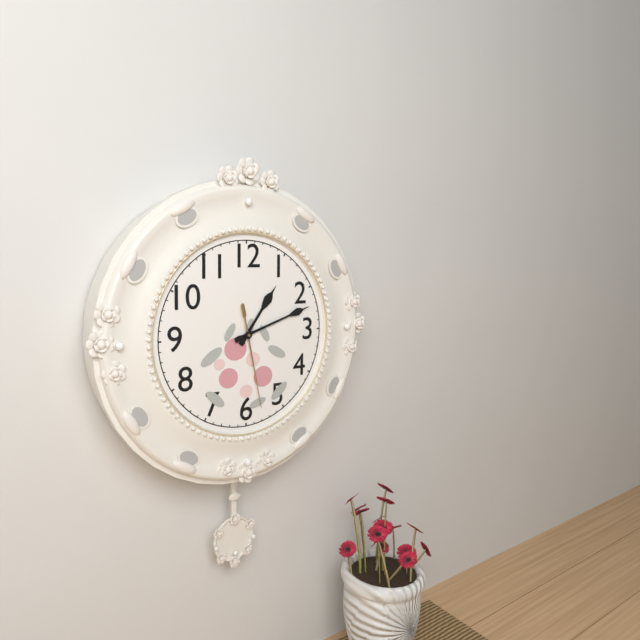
1:12:28
